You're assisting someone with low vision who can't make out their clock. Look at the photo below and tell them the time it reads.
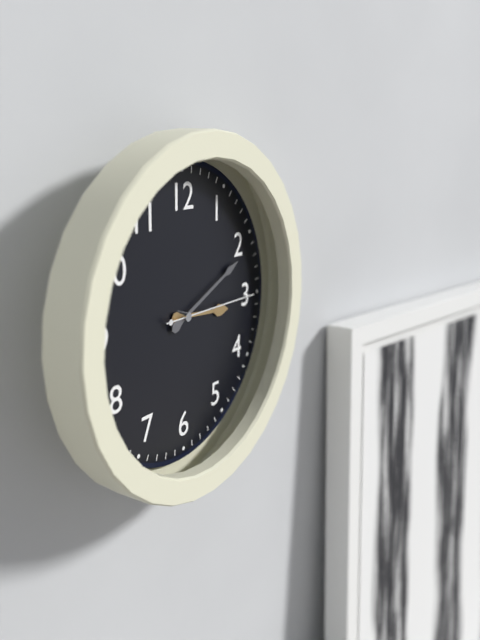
3:11:15
